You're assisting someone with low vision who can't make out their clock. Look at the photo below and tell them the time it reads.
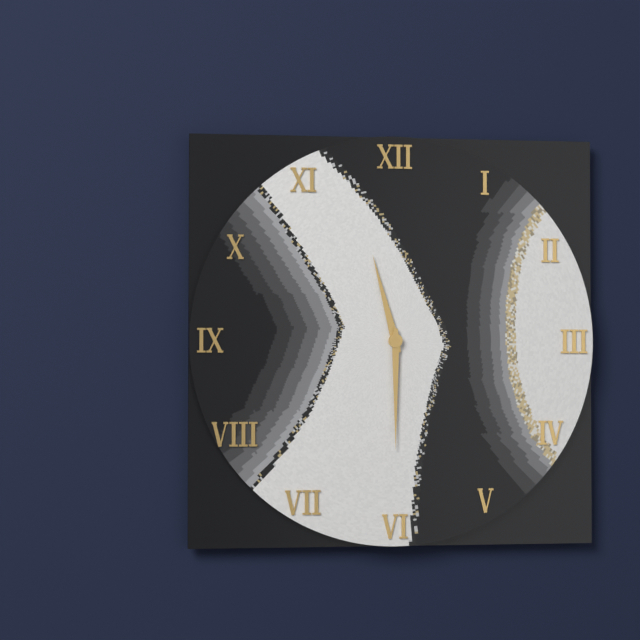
11:30
